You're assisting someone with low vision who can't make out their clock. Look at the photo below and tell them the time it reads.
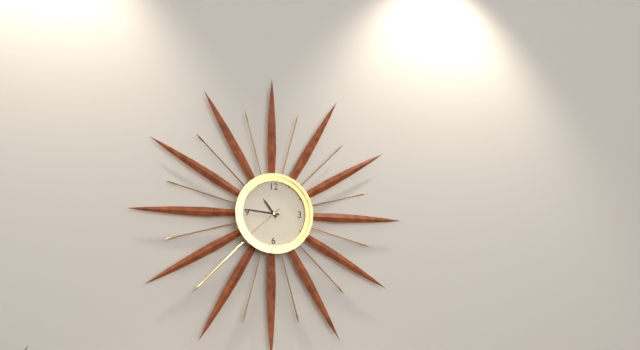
10:46
